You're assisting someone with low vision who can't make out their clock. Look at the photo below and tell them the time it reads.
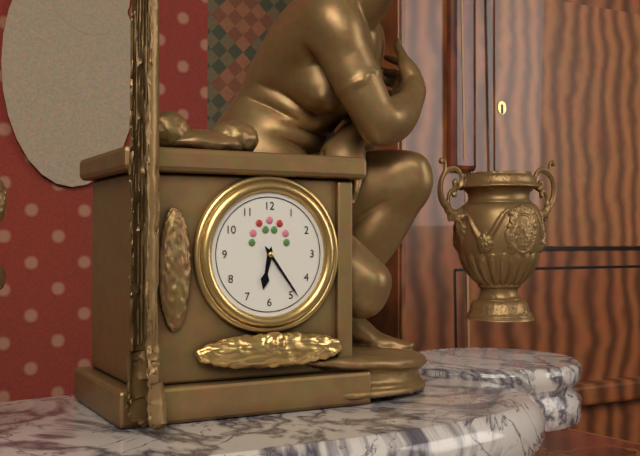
6:24
